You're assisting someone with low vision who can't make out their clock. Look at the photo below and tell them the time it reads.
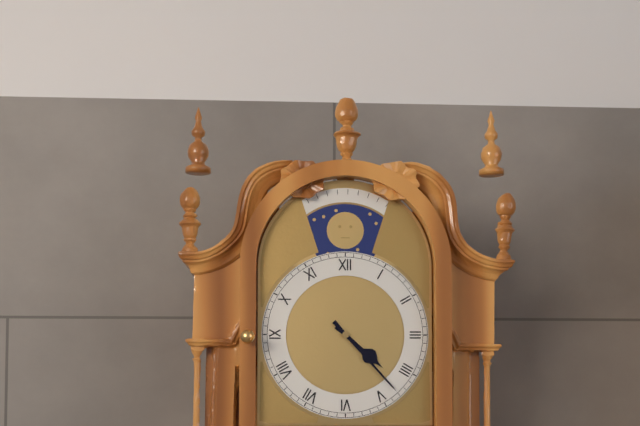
4:23
